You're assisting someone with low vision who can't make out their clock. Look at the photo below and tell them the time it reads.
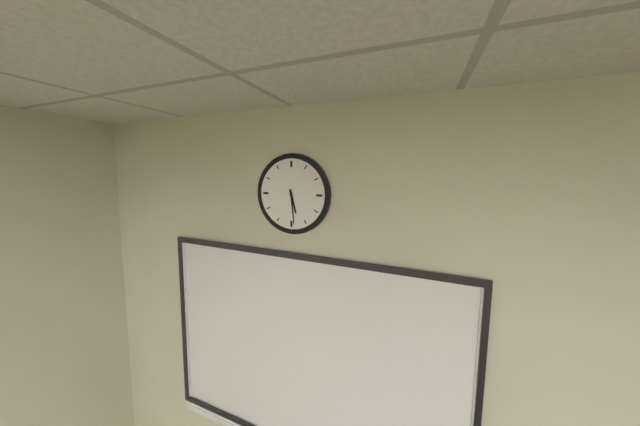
5:29
